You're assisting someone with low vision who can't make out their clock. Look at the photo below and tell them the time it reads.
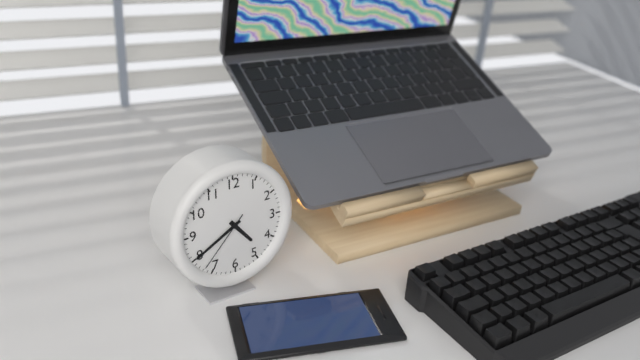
4:40:37
